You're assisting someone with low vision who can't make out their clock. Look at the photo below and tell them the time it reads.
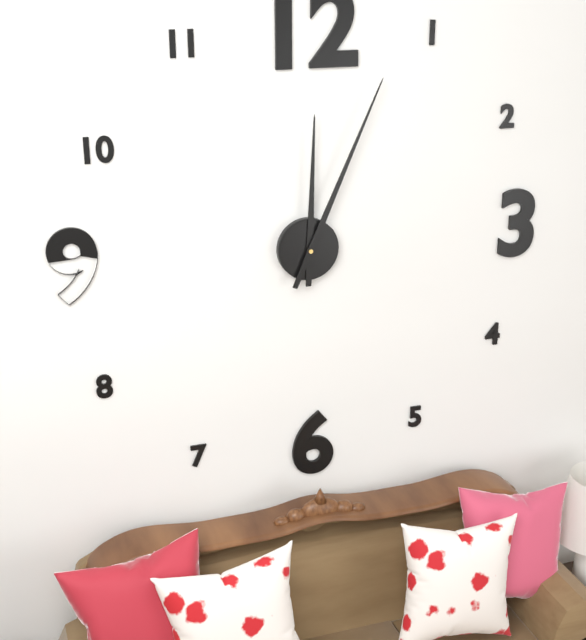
12:04
